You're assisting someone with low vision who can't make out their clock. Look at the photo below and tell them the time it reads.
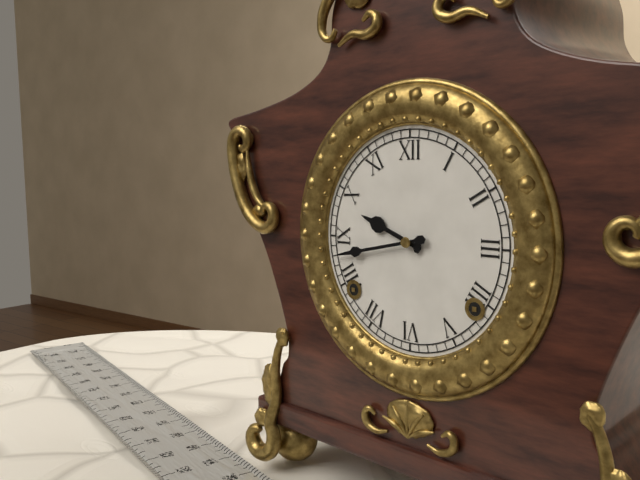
9:43
